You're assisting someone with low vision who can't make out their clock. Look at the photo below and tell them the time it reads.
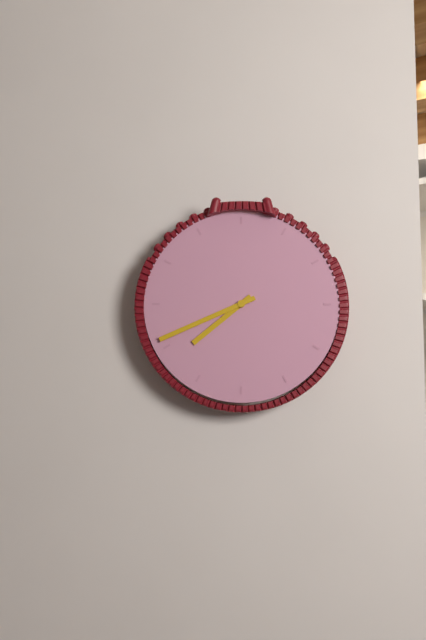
7:41
